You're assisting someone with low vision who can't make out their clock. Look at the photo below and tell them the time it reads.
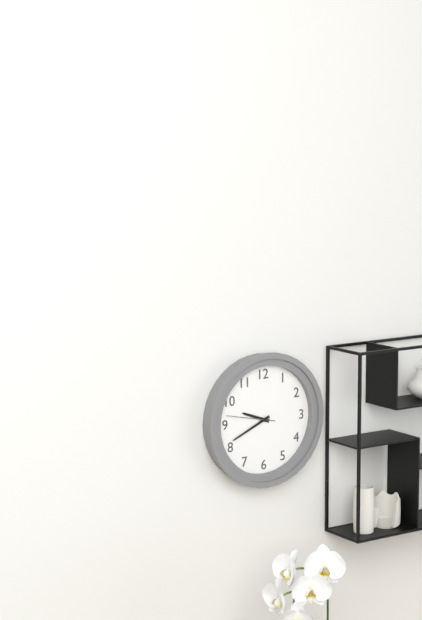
9:41
